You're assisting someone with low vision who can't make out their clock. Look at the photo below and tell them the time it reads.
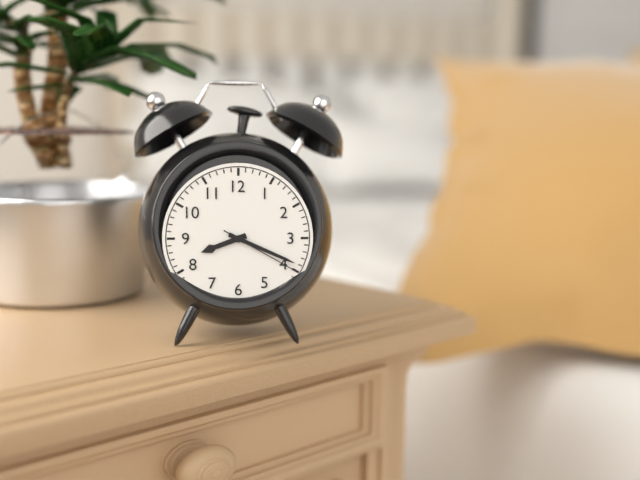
8:19:20
